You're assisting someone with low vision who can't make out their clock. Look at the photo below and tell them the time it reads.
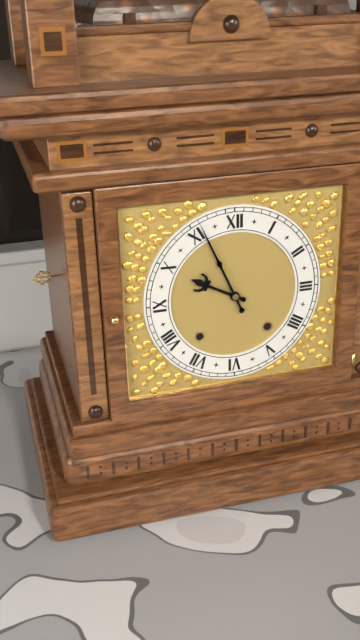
9:56
